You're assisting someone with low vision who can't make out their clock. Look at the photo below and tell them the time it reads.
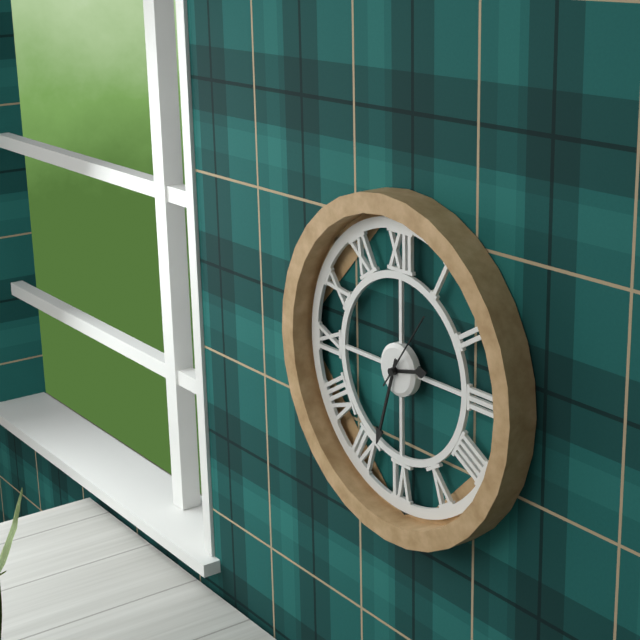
2:33:06
